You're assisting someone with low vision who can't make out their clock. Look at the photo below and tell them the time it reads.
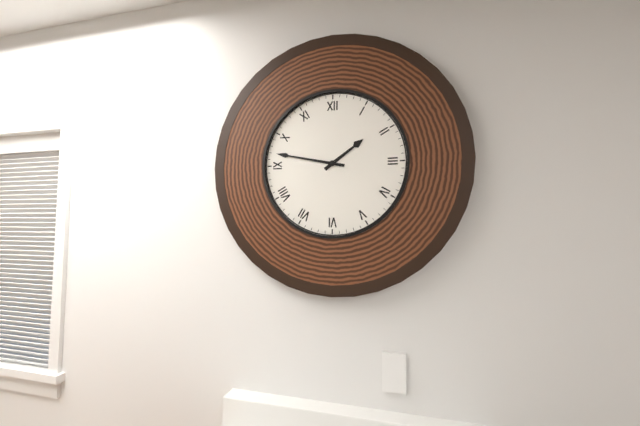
1:47
